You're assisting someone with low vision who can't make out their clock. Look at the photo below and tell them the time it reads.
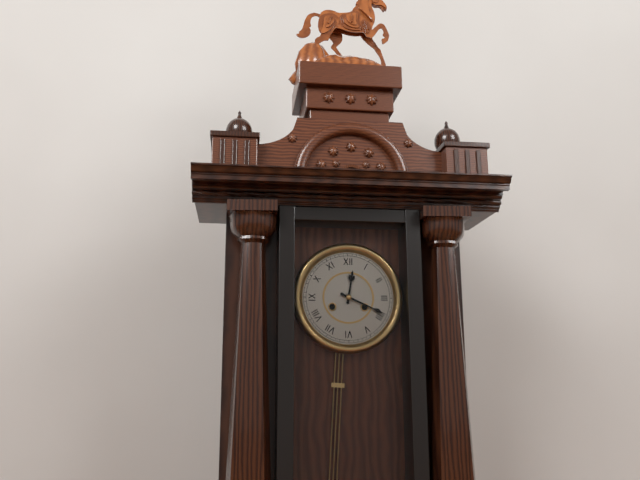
12:19
